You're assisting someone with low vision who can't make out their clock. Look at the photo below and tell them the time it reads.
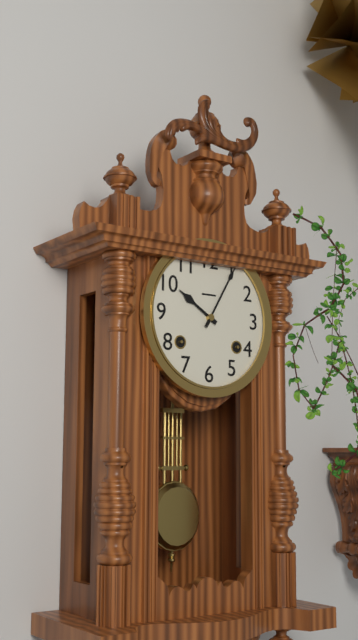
10:05
